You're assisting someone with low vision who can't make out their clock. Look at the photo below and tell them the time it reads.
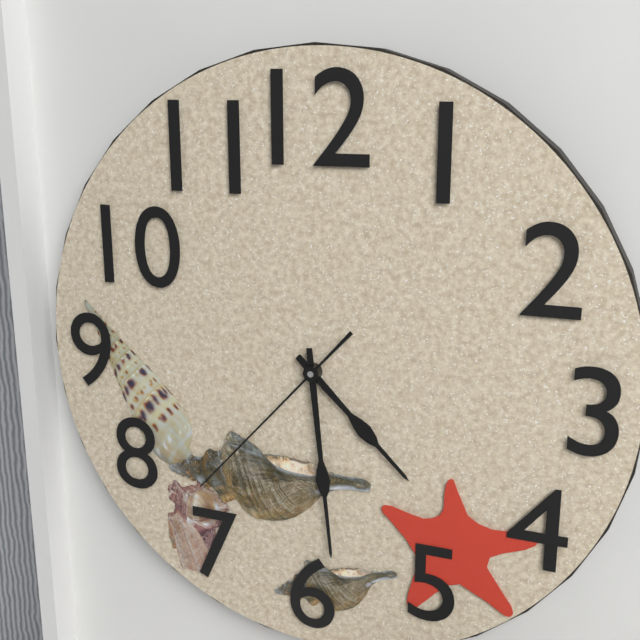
4:29:37
